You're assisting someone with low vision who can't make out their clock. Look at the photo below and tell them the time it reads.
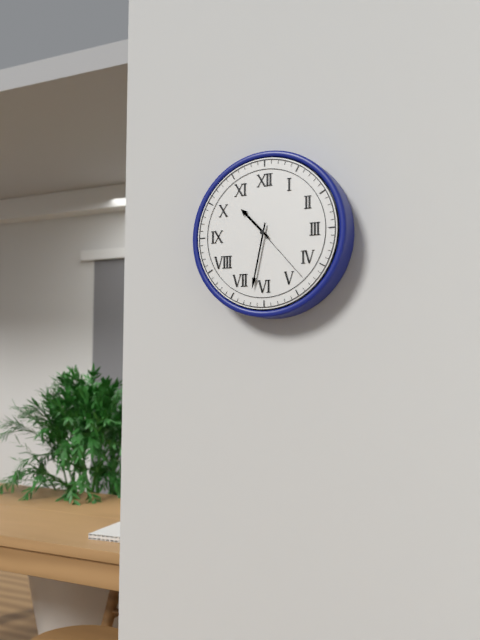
10:32:23
